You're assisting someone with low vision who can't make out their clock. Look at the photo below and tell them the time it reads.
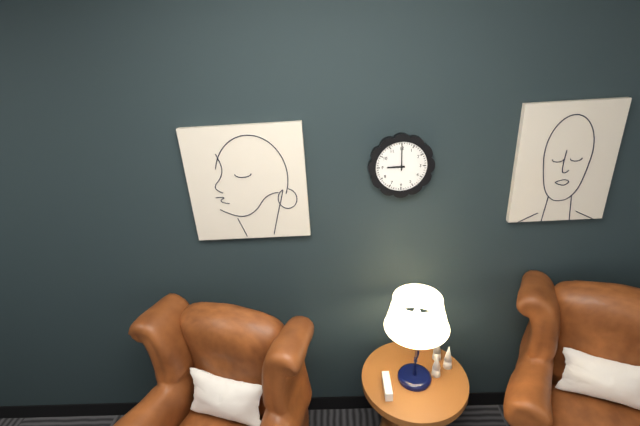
9:00
